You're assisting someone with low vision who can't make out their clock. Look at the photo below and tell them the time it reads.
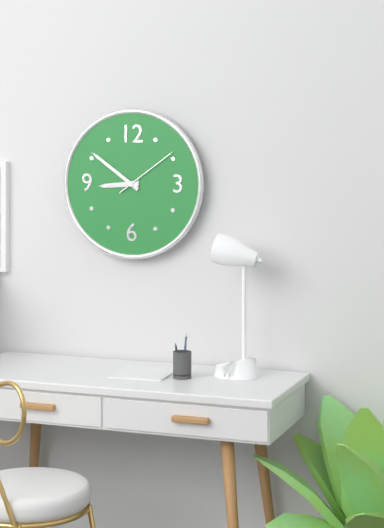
8:51:09
